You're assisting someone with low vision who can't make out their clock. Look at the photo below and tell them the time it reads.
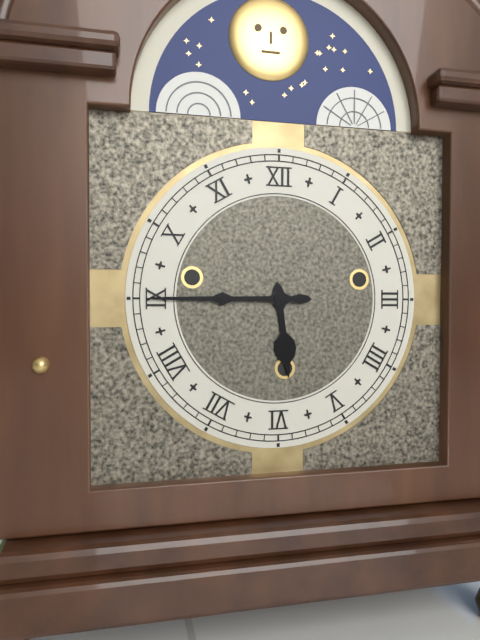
5:45
